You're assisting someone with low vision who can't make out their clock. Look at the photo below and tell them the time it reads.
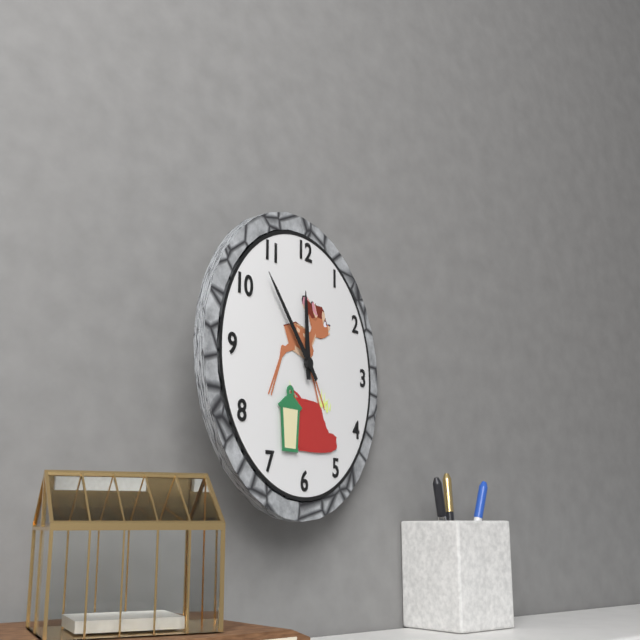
11:53
